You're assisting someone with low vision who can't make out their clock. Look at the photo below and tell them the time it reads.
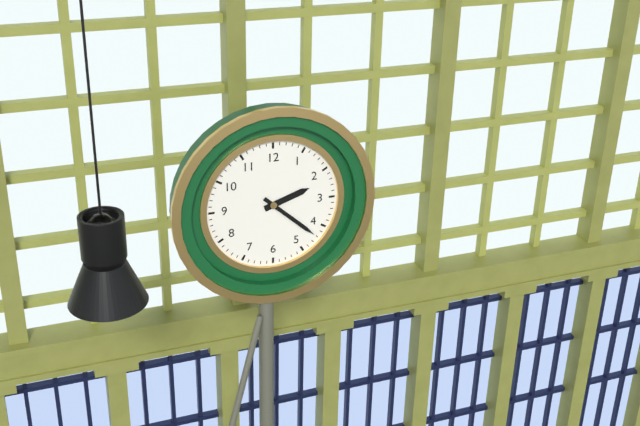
2:22
